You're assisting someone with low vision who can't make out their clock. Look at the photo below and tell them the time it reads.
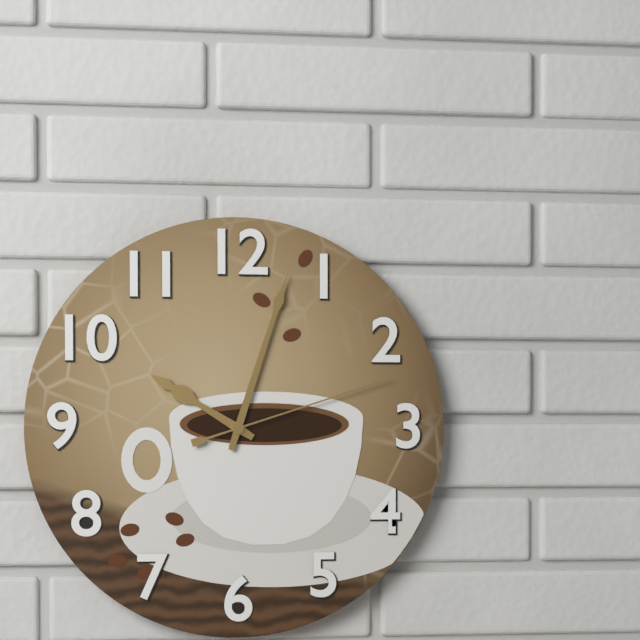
10:03:12
